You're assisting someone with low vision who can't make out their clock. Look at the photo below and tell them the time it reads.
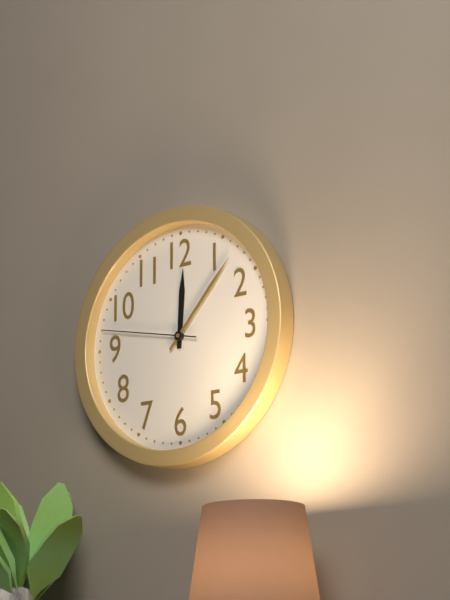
12:07:47
